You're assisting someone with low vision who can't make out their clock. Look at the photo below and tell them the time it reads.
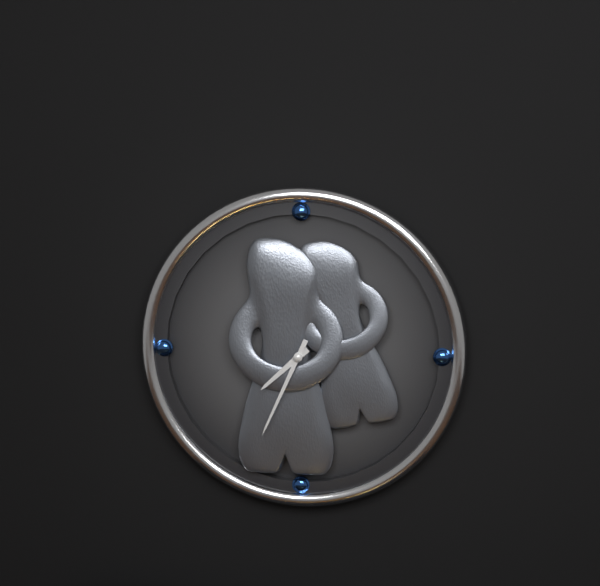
7:34
